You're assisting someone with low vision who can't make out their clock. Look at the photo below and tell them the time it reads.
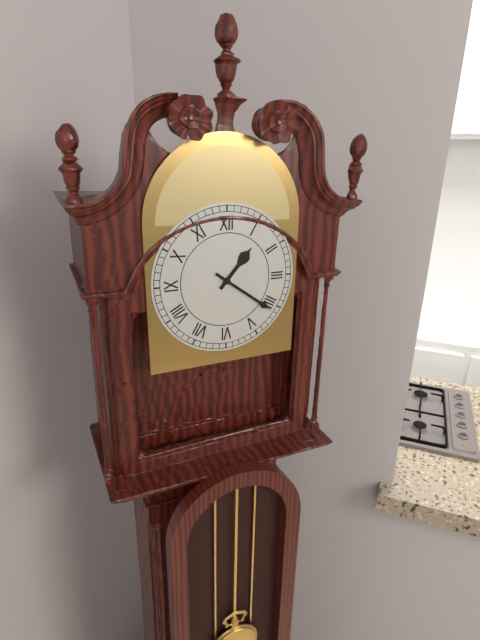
1:21
